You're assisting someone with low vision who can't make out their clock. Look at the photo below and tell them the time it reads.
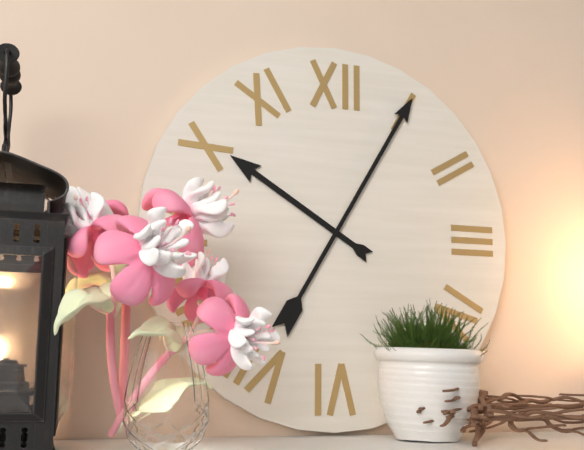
10:05
